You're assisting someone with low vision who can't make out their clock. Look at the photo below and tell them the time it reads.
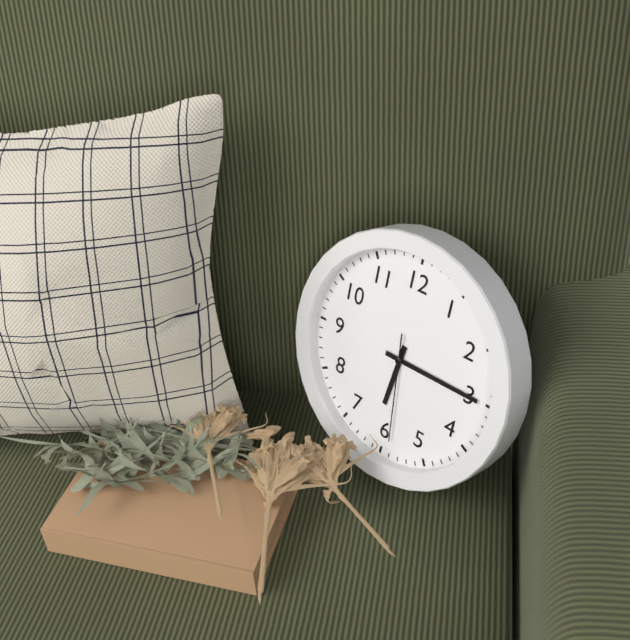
6:15:29
